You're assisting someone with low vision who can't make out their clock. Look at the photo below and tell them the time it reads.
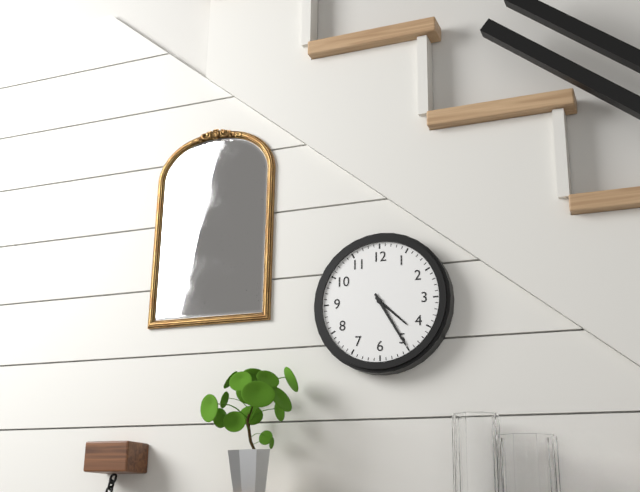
4:25
